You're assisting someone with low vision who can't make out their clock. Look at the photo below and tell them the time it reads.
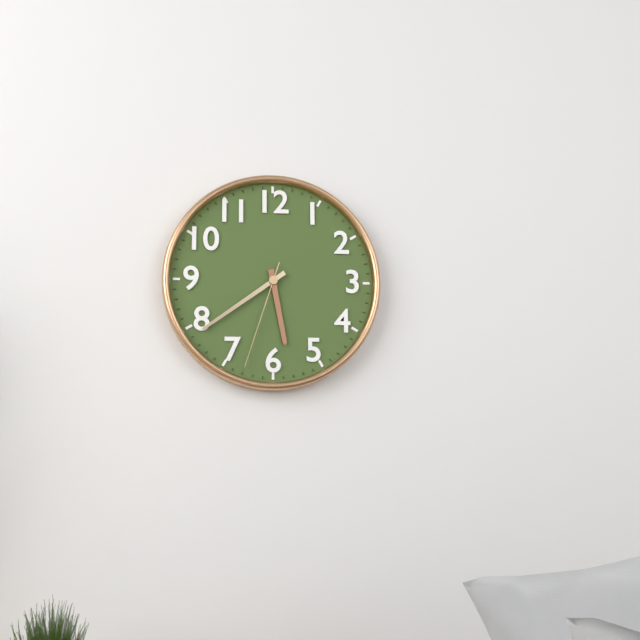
5:39:33
